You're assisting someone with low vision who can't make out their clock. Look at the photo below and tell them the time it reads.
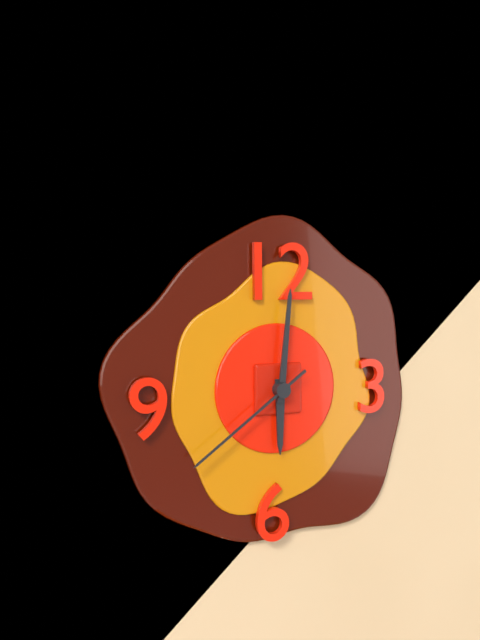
6:01:39
